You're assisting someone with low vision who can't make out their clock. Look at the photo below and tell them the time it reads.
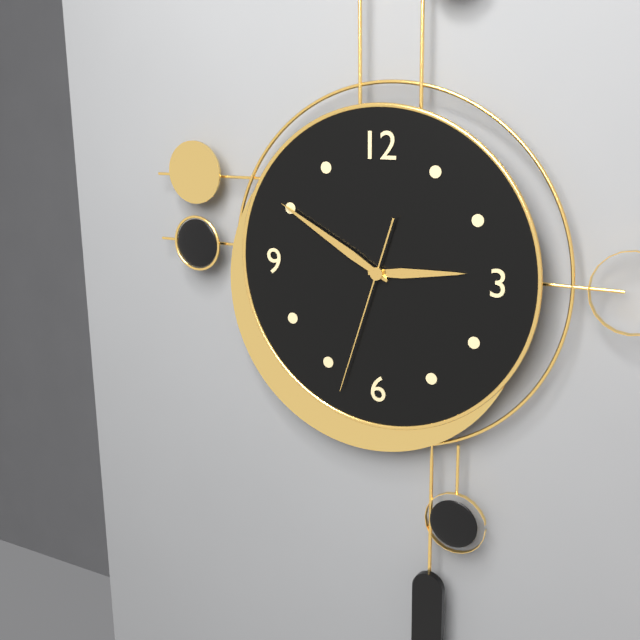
2:50:33
